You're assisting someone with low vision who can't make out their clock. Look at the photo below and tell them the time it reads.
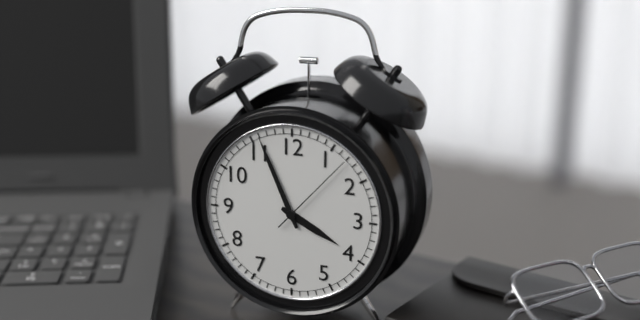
3:56:07
